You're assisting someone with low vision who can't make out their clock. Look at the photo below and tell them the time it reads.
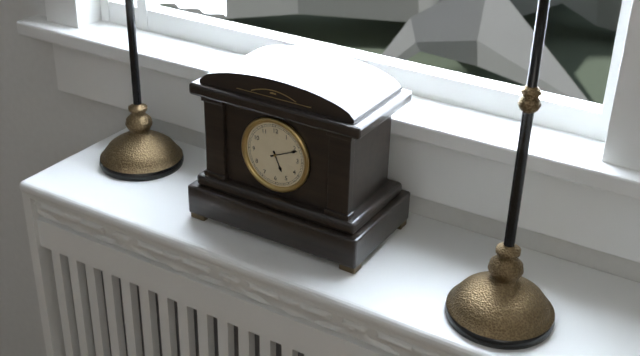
5:11
